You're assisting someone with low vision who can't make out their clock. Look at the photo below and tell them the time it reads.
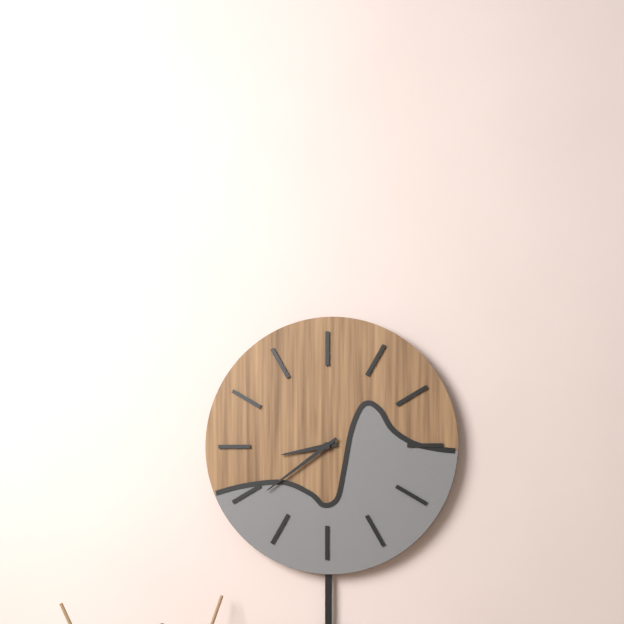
8:39
